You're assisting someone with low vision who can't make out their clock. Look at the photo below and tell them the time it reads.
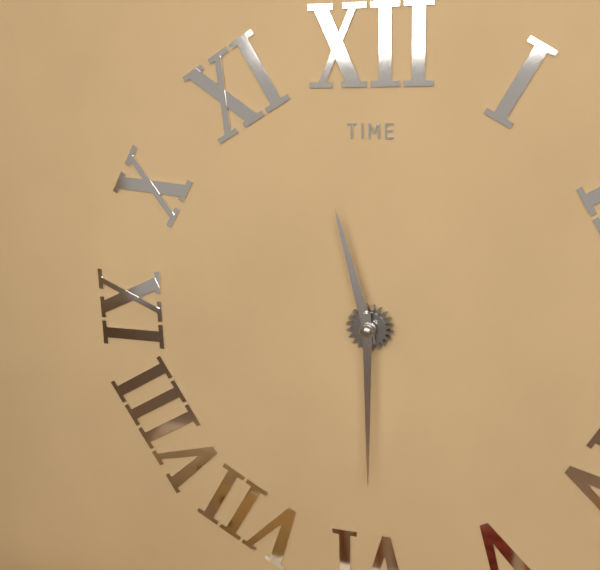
11:30
